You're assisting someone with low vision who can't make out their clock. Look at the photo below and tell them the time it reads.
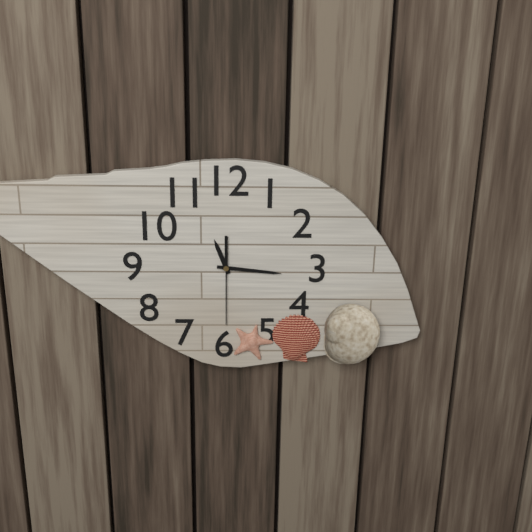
11:16:30
